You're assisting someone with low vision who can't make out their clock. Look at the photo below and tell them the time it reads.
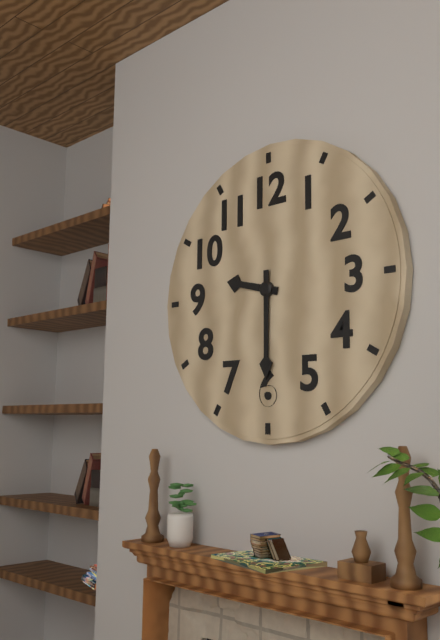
9:30
